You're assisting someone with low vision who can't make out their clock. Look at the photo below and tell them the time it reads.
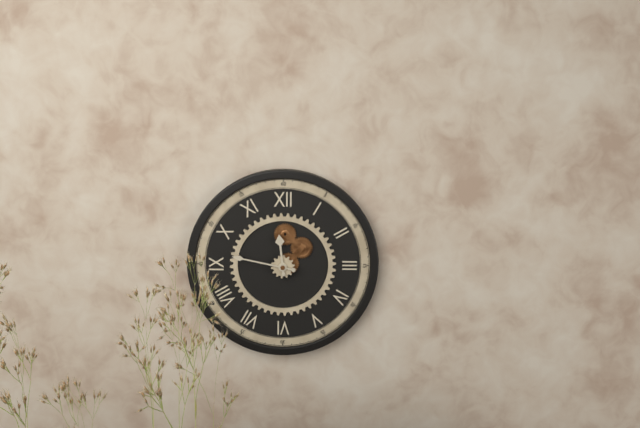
11:47
